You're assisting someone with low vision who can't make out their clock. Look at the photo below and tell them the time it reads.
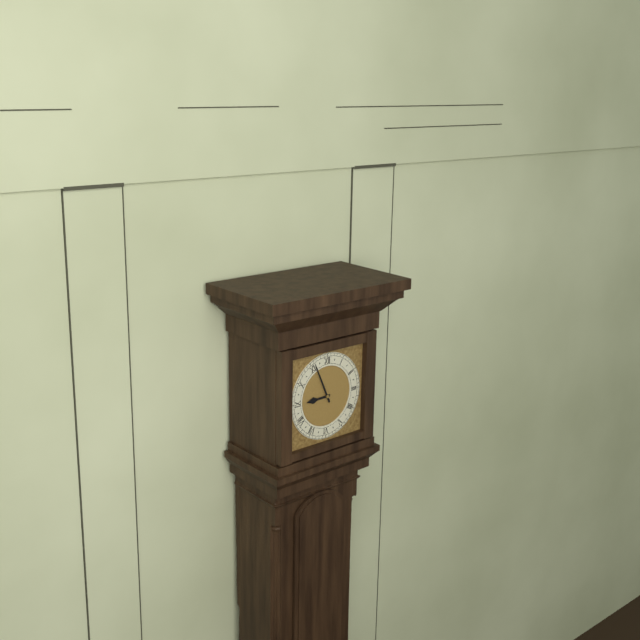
8:56
